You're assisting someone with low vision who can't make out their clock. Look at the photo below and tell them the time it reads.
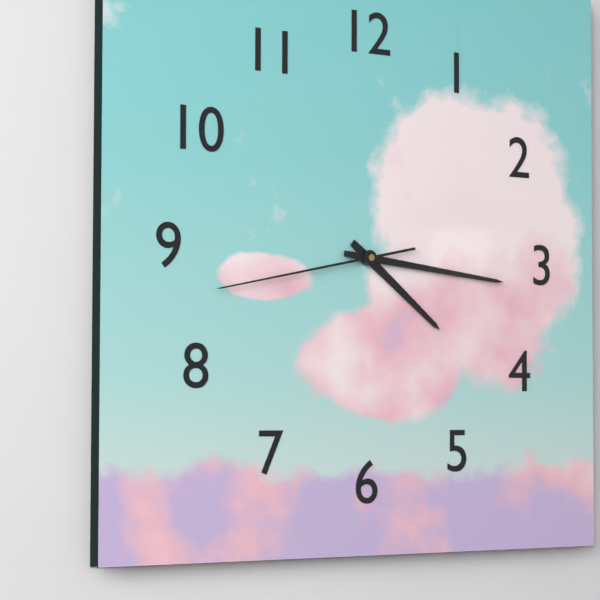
4:16:43
